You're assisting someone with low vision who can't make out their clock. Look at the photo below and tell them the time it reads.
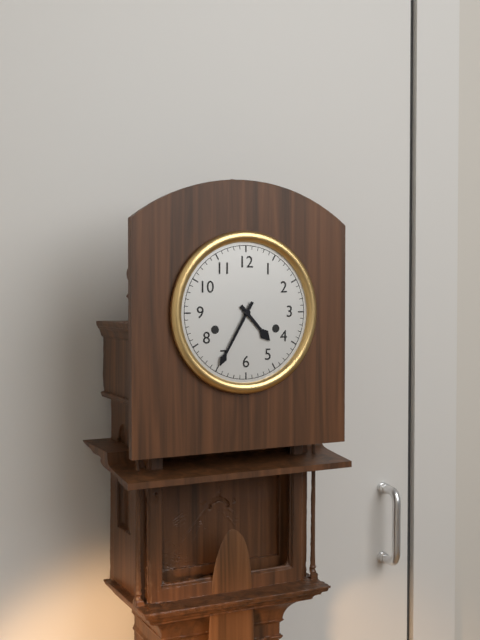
4:35
